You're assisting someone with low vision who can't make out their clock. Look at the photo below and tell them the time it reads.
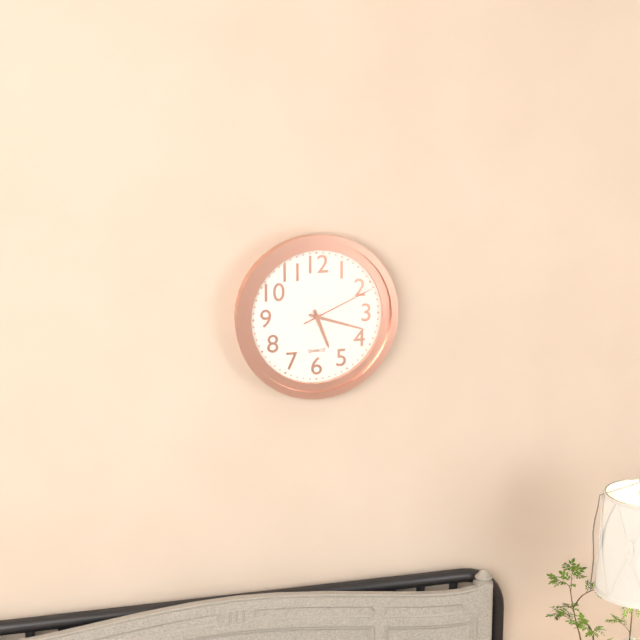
5:18:11
